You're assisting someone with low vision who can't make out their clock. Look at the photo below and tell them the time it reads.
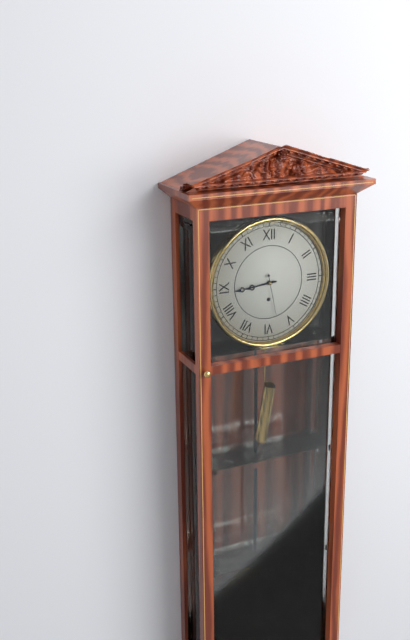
8:44:28
